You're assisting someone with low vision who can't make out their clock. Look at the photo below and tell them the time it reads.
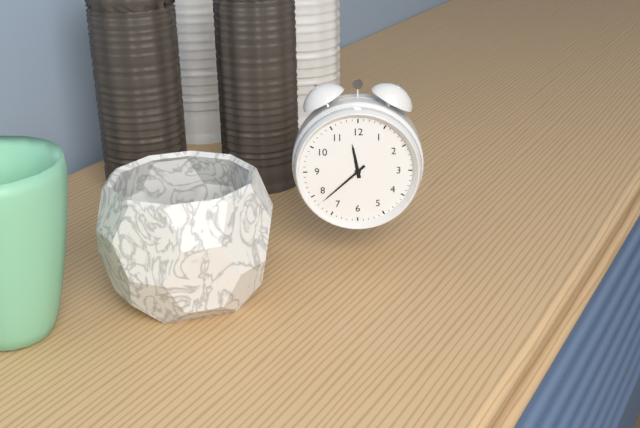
11:38
